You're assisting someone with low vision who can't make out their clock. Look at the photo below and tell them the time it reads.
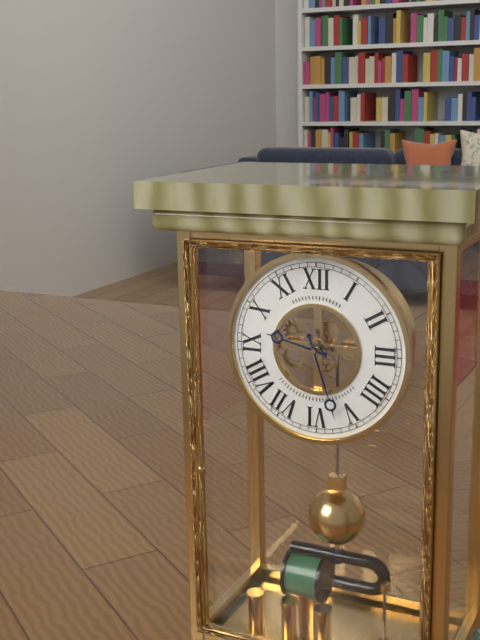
9:27
